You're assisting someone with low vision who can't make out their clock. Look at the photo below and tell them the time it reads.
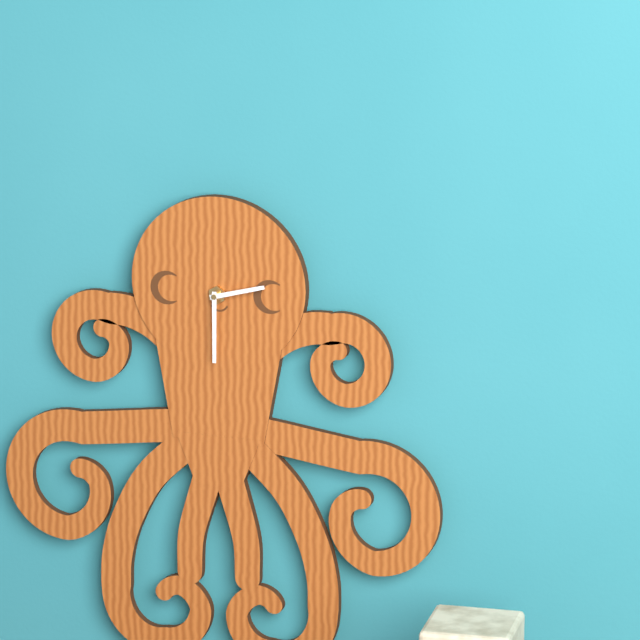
2:30
